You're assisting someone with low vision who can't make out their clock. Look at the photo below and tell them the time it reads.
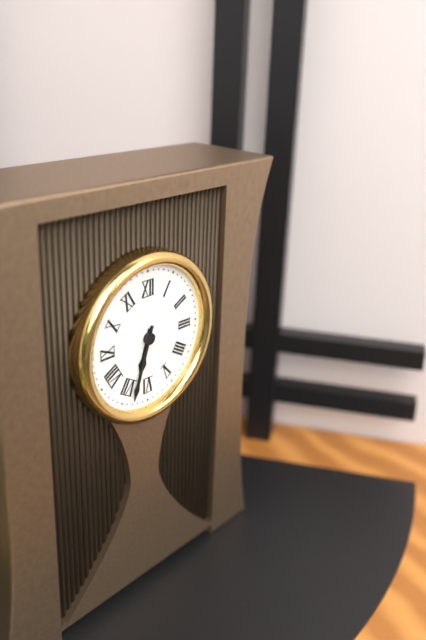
6:33
